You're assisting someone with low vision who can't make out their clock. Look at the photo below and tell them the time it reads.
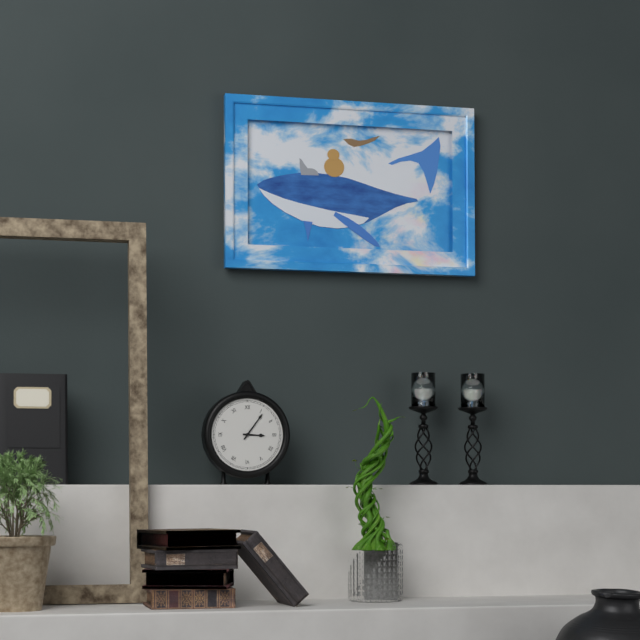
3:06
